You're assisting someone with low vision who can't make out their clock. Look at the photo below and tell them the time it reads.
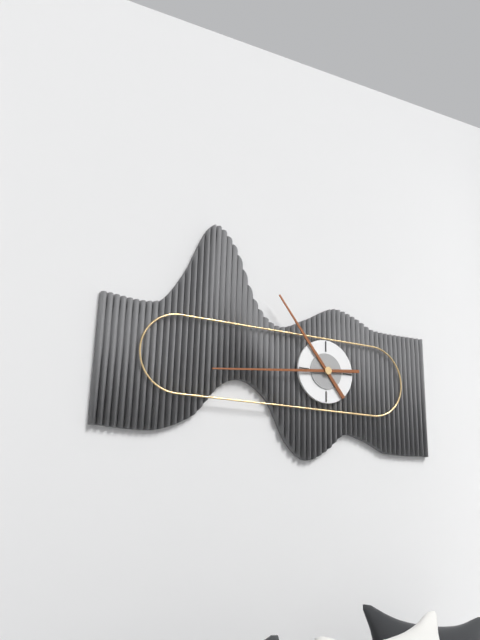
10:44
